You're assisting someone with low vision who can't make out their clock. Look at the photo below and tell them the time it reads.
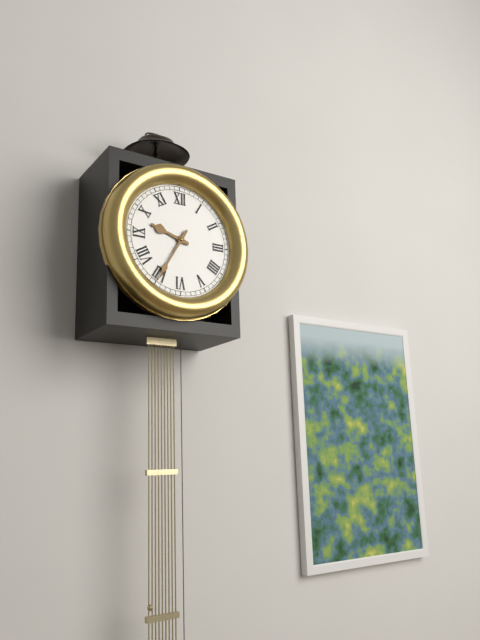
9:35
